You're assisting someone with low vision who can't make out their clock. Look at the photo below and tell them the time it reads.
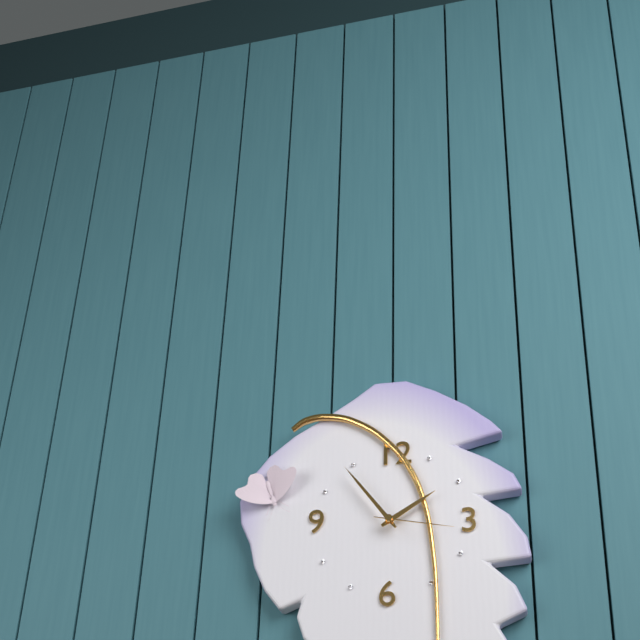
1:54:17
